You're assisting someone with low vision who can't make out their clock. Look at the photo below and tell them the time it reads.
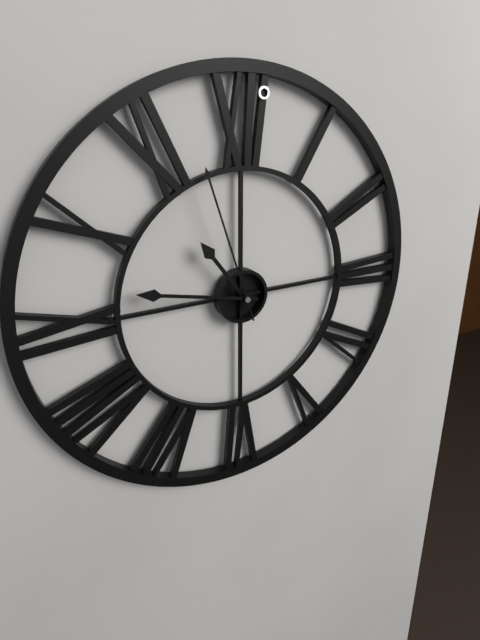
10:47:57
